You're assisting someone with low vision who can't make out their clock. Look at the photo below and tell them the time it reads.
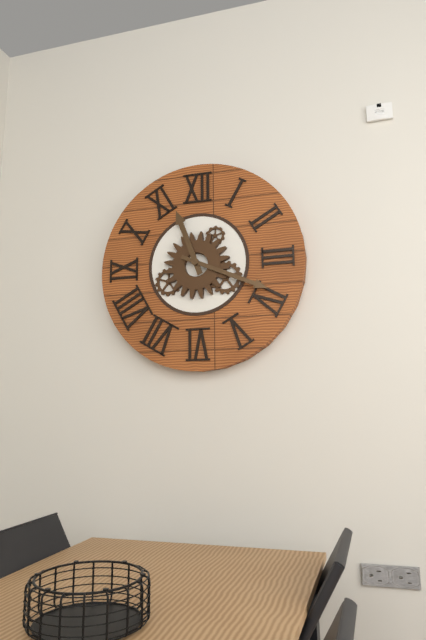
11:19
